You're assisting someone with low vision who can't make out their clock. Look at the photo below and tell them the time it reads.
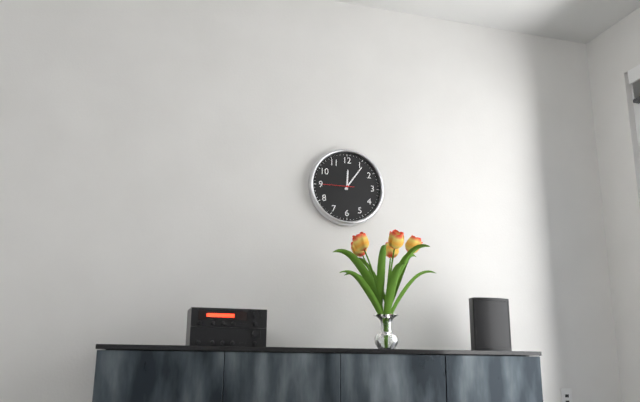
12:06
